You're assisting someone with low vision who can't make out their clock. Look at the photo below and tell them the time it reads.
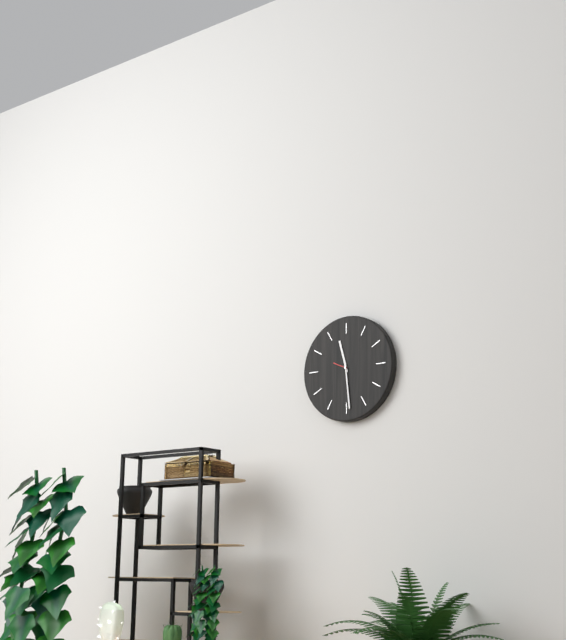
11:29
